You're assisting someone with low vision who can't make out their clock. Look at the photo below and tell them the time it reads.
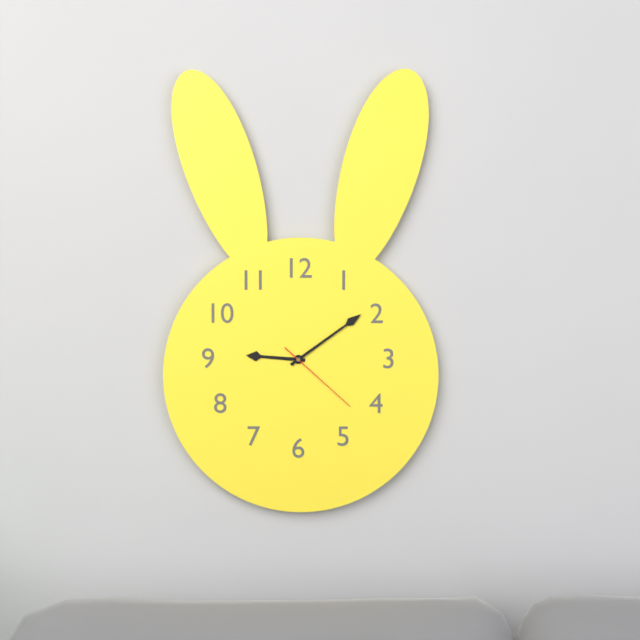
9:09:22
